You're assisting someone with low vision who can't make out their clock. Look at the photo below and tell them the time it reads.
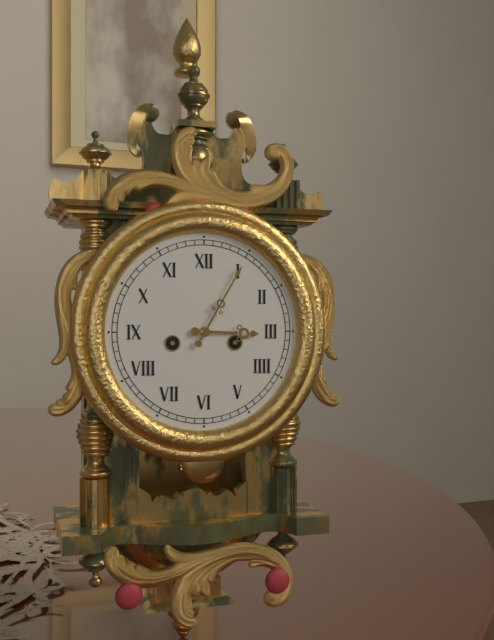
3:05
